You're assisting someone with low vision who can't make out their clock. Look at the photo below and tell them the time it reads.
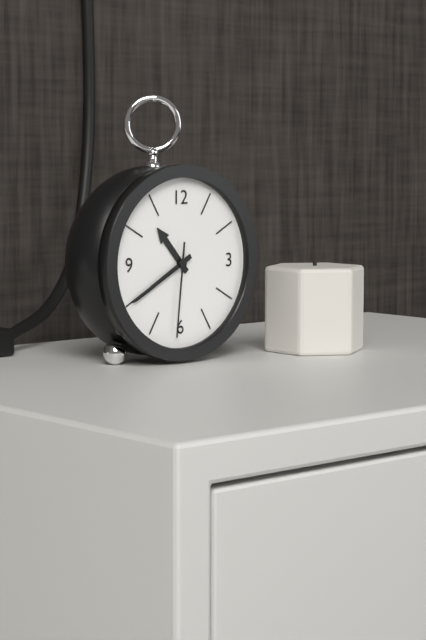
10:40:31
